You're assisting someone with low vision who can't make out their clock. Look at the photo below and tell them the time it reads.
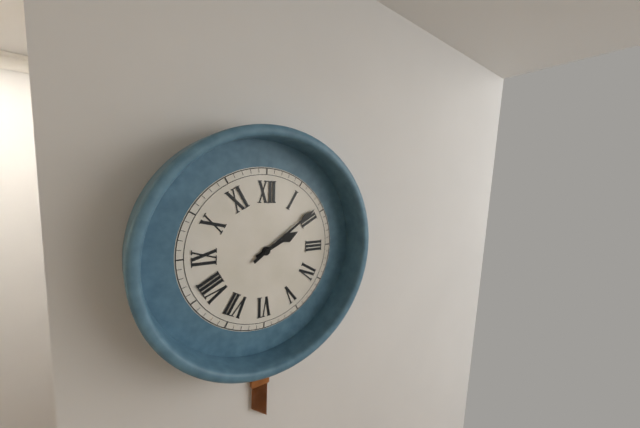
2:09
